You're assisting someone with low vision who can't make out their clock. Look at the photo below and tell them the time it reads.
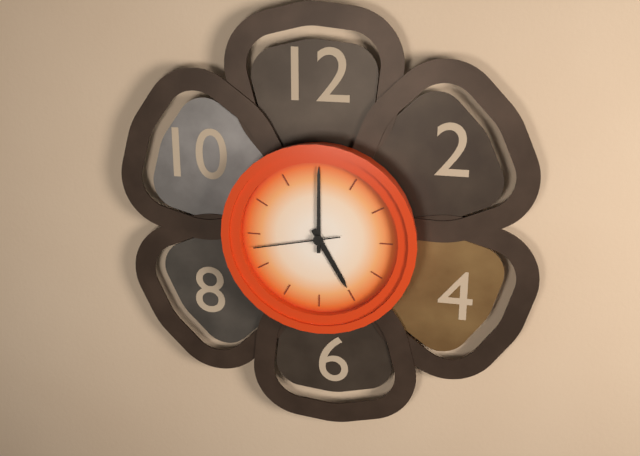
5:00:43
